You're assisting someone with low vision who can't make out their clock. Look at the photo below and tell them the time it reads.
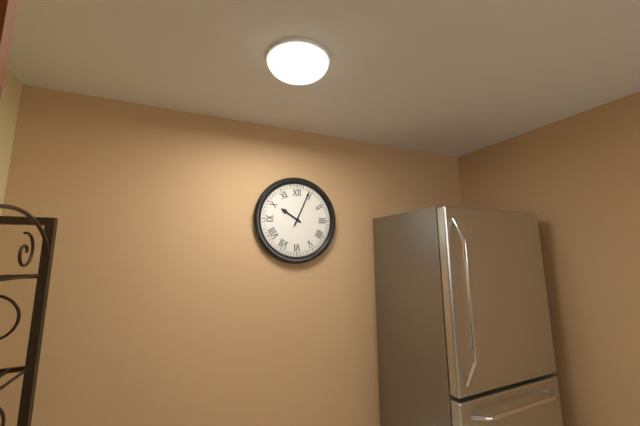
10:04
